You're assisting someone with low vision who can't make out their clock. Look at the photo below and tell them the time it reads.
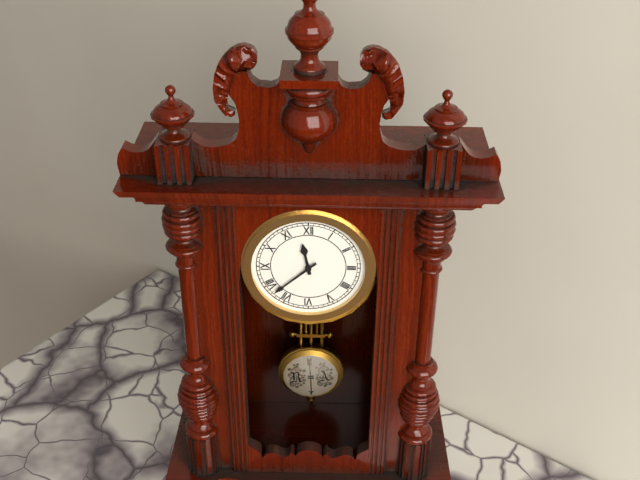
11:38
